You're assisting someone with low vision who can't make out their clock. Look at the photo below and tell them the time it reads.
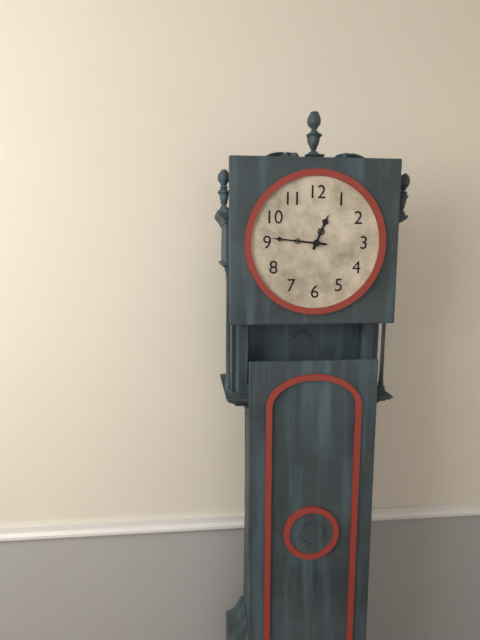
12:46
